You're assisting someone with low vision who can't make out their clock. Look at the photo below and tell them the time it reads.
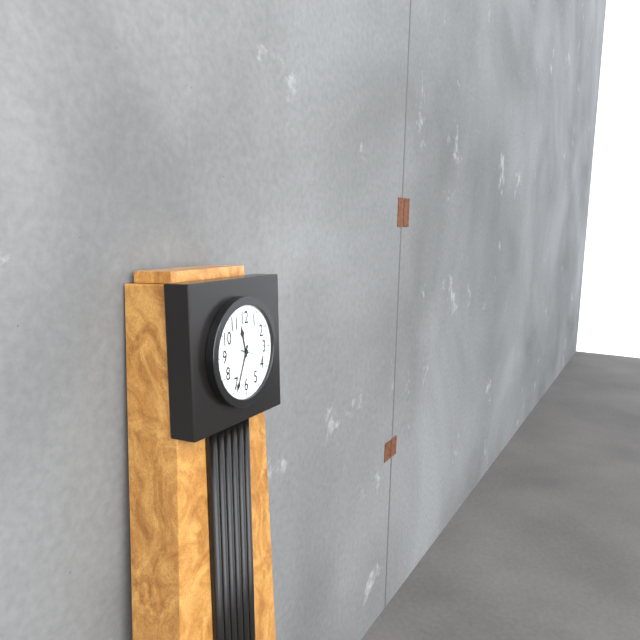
11:34
